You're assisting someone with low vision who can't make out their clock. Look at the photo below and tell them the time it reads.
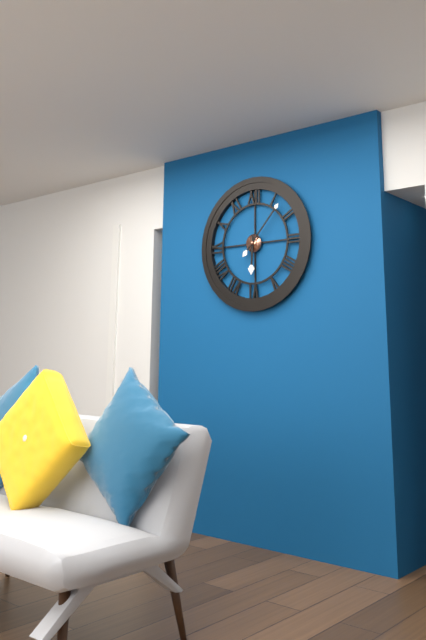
6:07
